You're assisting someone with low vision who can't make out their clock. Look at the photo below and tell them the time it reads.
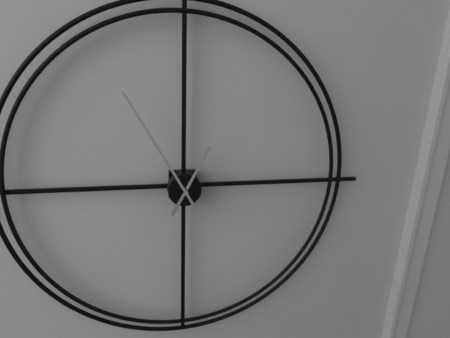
12:55
